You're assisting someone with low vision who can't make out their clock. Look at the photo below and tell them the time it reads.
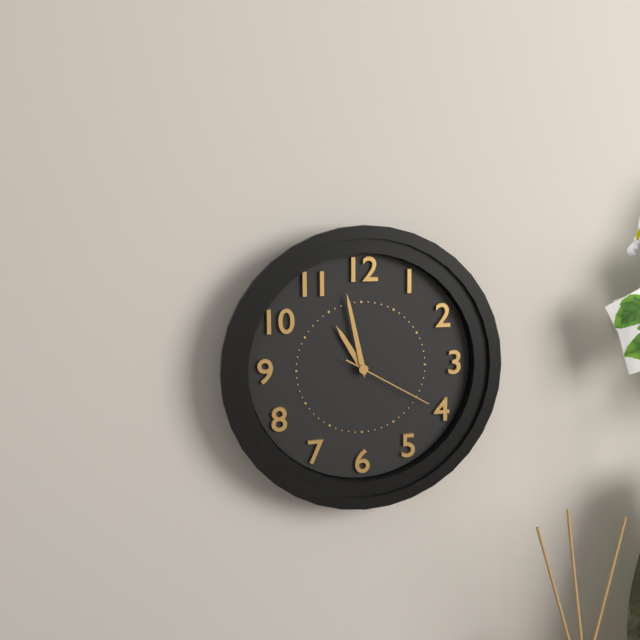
10:58:20
